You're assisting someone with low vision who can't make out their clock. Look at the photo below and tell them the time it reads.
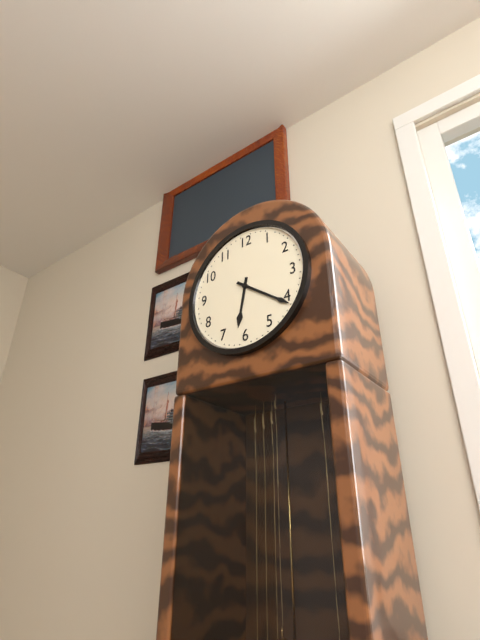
6:21
